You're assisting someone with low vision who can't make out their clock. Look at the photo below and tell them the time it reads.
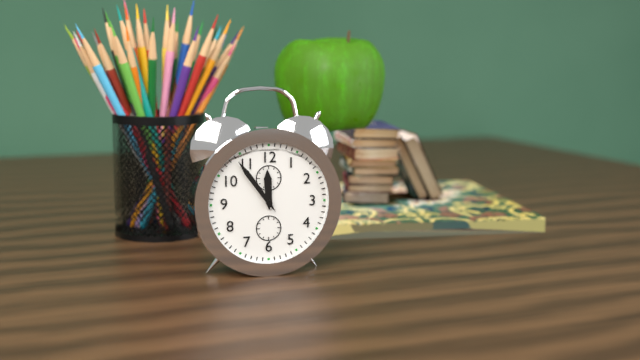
11:54
